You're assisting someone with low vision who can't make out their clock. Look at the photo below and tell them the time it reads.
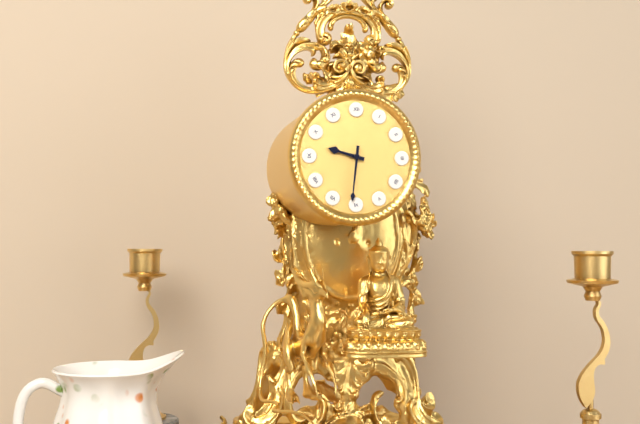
9:31
